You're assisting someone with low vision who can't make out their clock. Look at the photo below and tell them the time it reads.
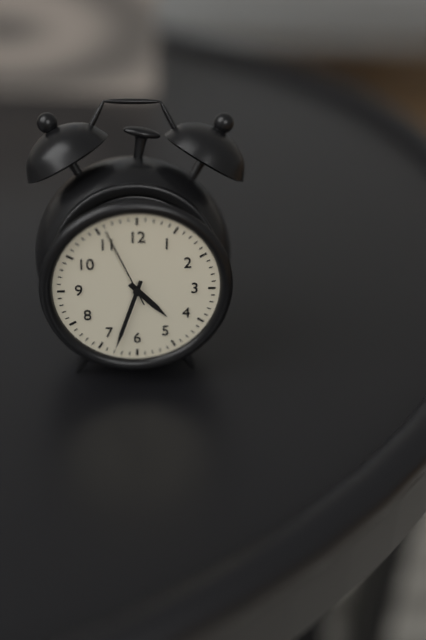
4:33:56
